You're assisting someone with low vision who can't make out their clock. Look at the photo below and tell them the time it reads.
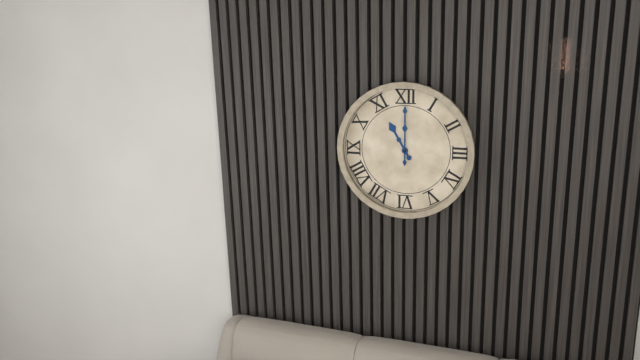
11:00
